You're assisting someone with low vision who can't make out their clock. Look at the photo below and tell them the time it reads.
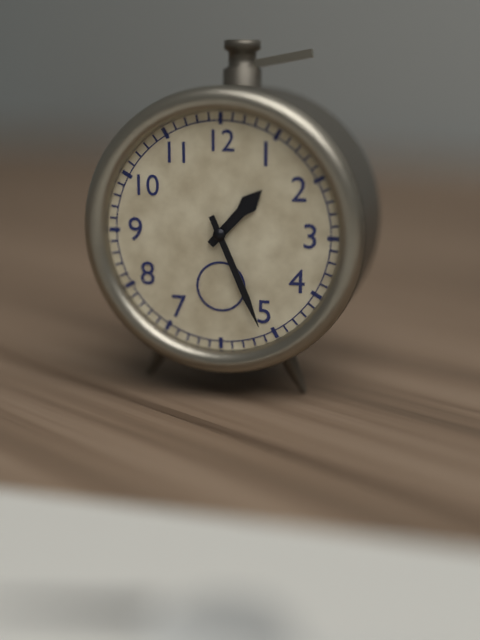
1:26
